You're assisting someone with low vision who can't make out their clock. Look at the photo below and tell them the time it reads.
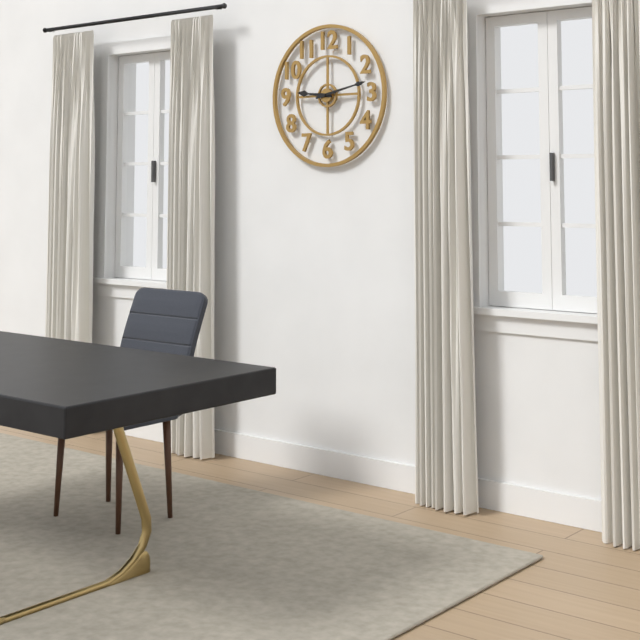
9:13
